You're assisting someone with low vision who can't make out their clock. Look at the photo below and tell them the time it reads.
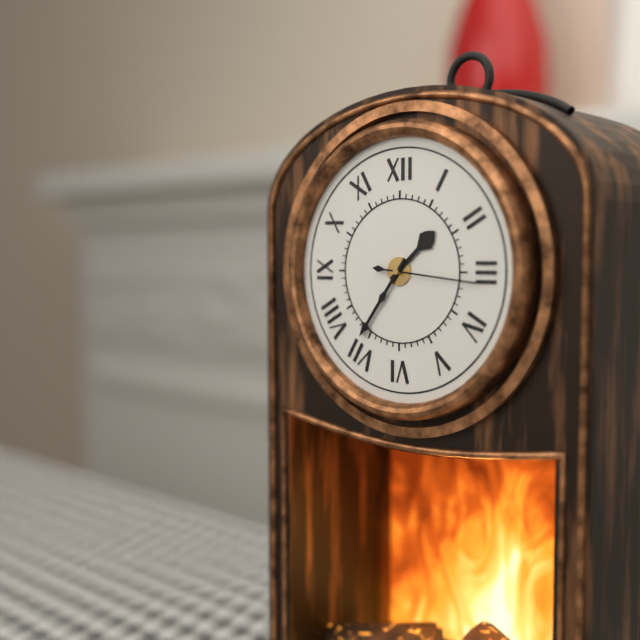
1:36:16
